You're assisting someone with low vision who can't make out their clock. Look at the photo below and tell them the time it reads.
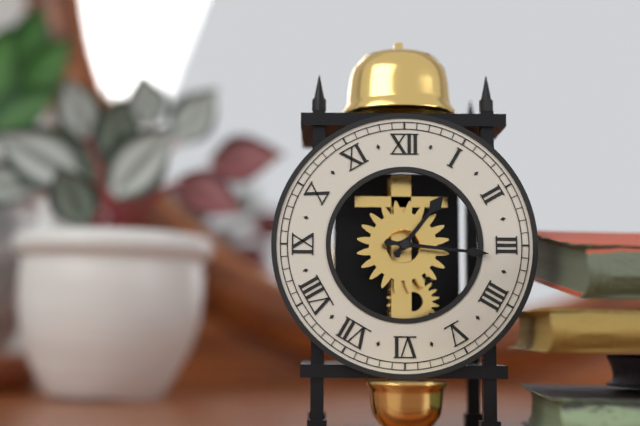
1:16
